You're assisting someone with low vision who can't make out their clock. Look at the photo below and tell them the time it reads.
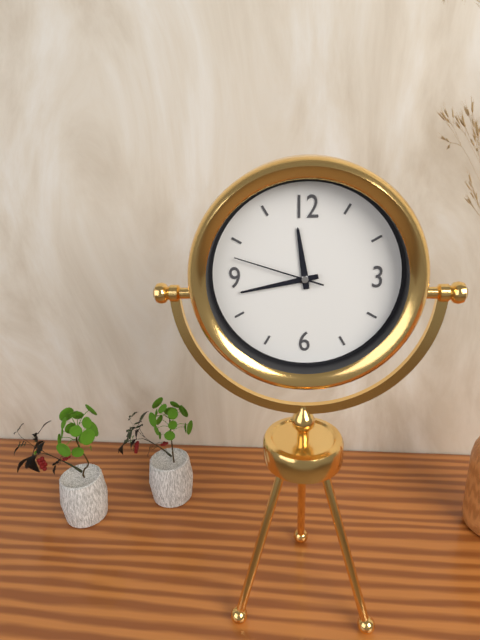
11:43:48
